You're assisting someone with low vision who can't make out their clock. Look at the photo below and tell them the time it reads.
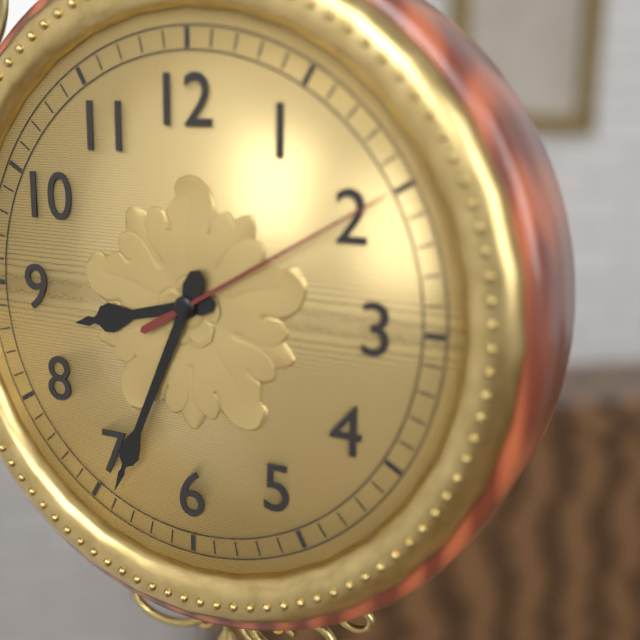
8:34:10
